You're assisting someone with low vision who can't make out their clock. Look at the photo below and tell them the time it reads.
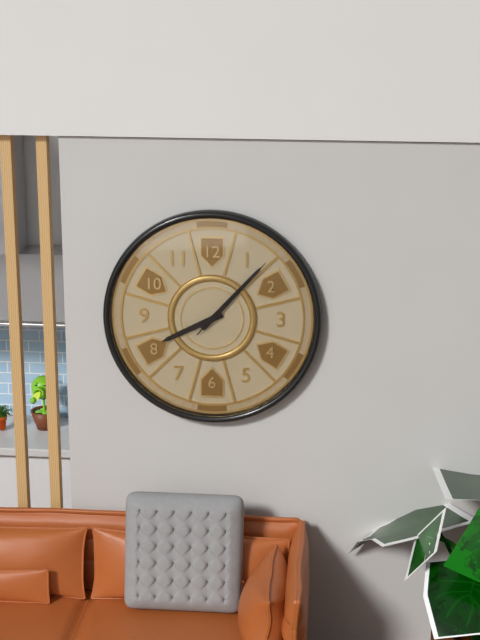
8:07:07
